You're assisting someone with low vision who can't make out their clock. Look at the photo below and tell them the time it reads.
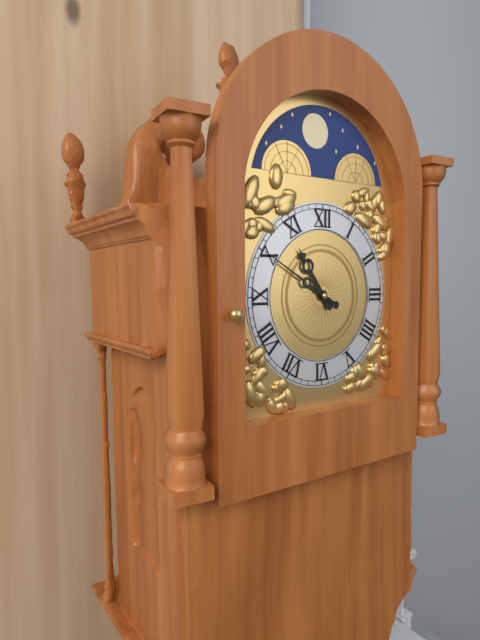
10:50
